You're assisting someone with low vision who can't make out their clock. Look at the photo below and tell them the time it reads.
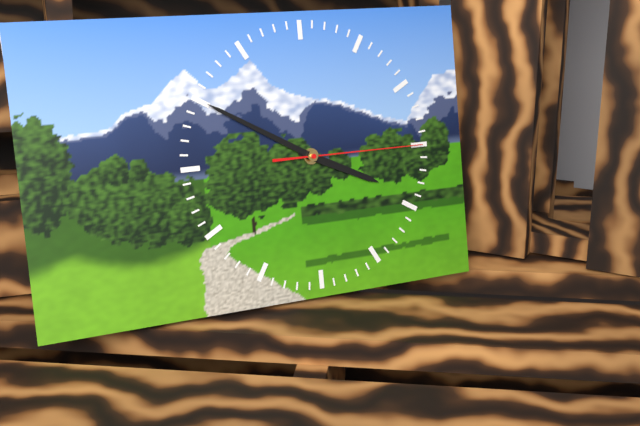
3:50:15
